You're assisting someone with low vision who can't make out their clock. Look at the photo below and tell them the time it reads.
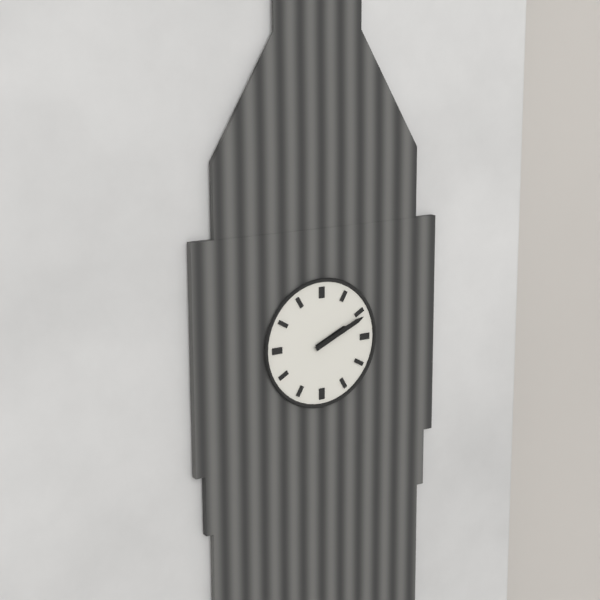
2:11
